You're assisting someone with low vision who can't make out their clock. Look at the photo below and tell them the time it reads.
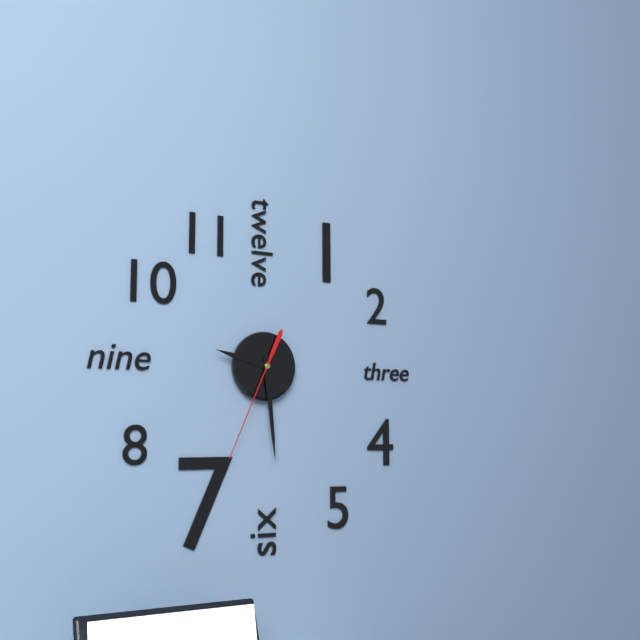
9:29:34
